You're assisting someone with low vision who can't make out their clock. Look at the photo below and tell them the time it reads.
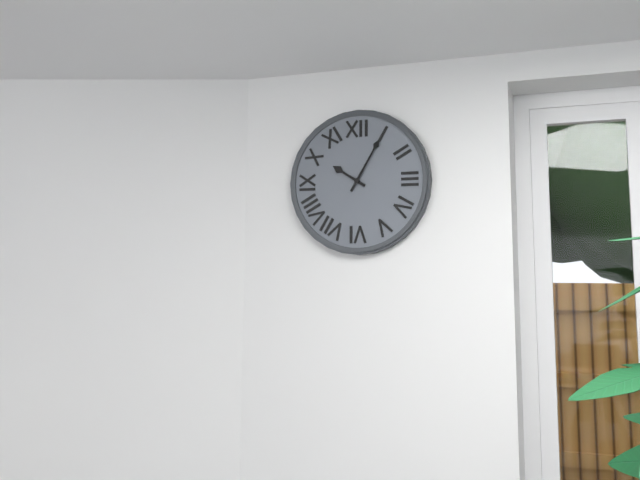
10:05
